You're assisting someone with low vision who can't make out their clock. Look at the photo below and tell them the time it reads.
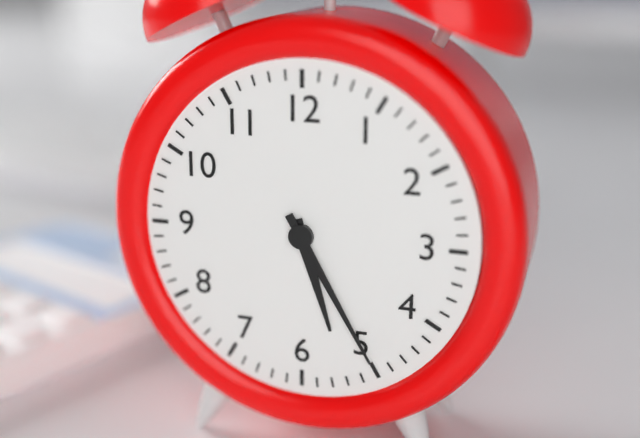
5:25
